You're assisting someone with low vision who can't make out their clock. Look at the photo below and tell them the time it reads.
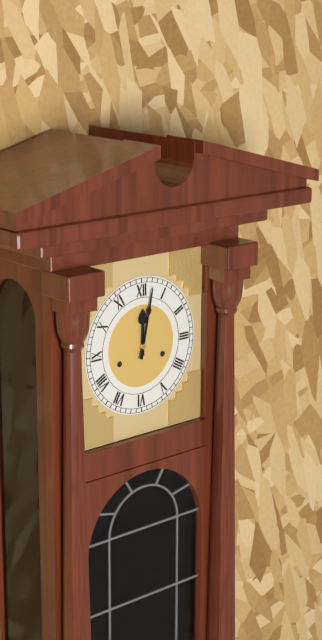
12:02
